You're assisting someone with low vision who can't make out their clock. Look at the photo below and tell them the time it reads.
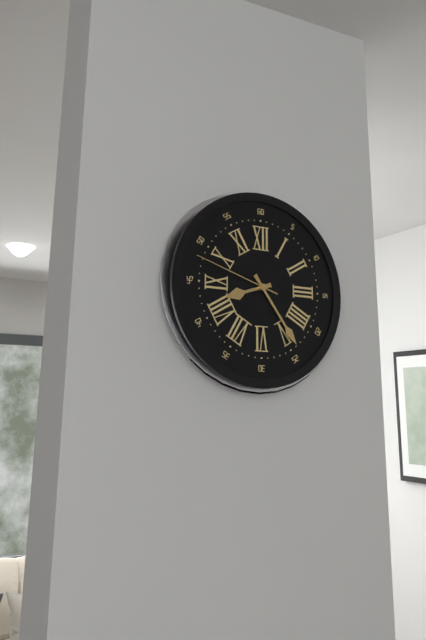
8:24:48
